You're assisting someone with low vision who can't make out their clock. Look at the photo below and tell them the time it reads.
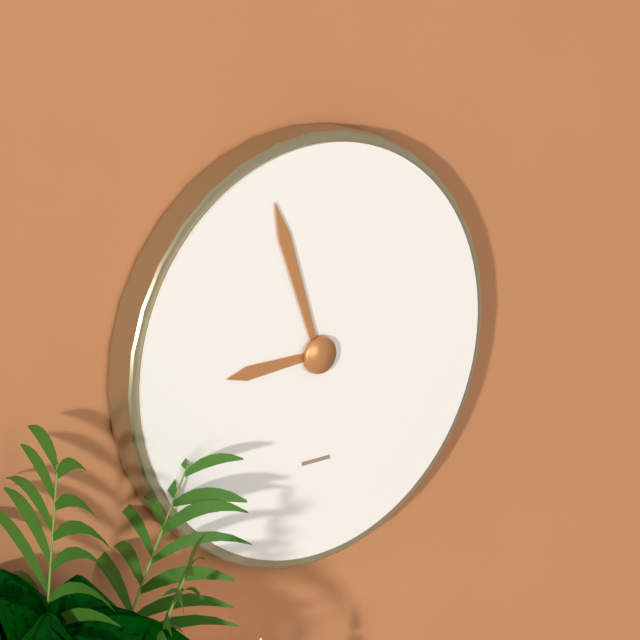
8:57
